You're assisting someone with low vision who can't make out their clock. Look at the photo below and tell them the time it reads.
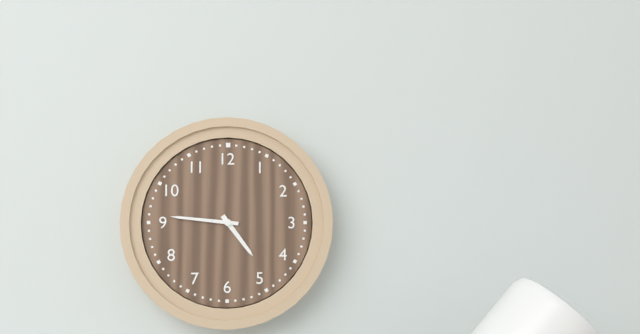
4:46
